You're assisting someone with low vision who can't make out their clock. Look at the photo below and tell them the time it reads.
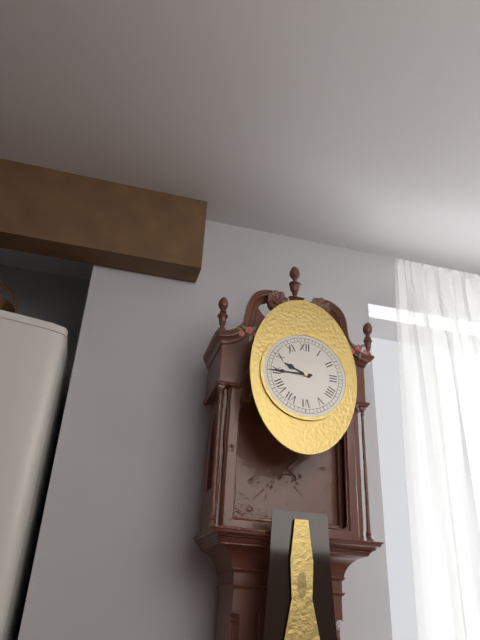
9:45
